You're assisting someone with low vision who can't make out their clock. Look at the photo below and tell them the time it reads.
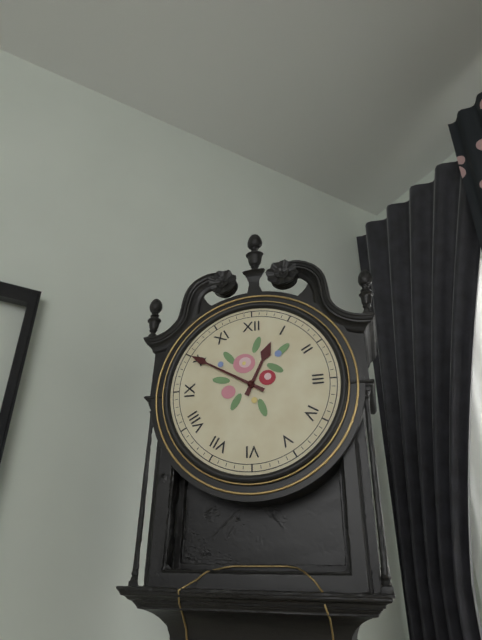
12:50
